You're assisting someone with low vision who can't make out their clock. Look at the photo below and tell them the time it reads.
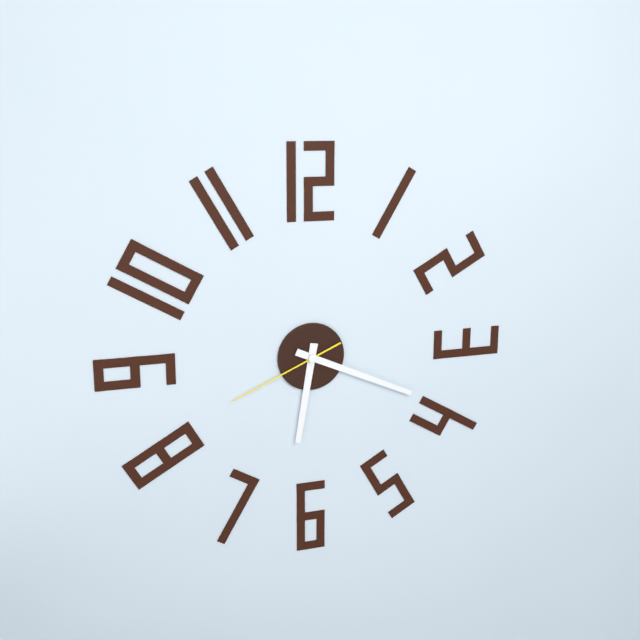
6:19:41
